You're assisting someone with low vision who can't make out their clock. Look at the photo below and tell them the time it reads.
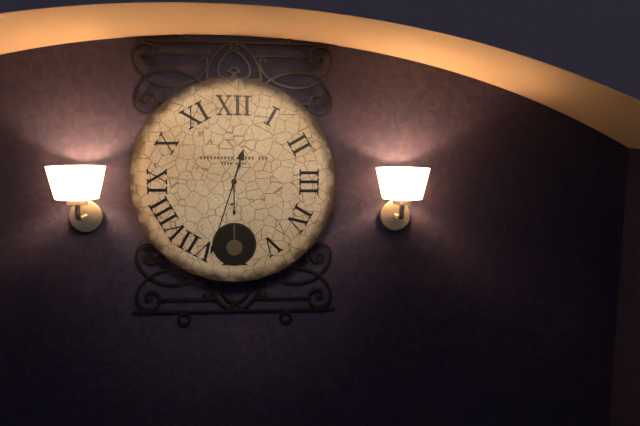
12:33
